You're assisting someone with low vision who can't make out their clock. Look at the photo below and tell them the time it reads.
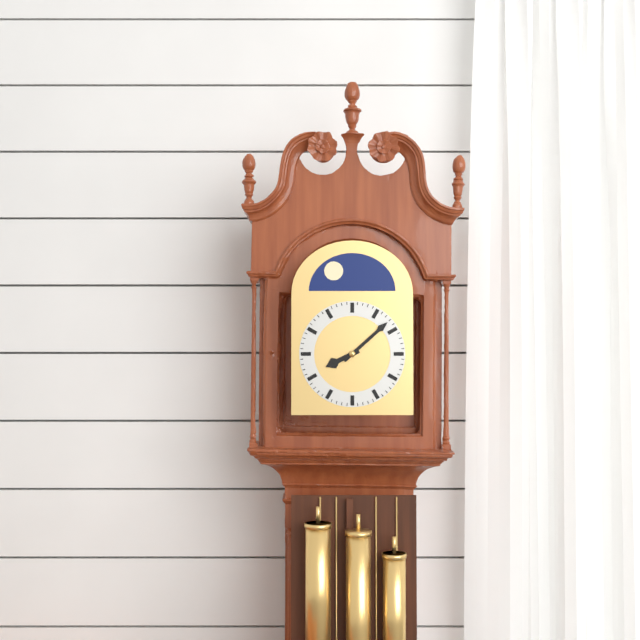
8:08
